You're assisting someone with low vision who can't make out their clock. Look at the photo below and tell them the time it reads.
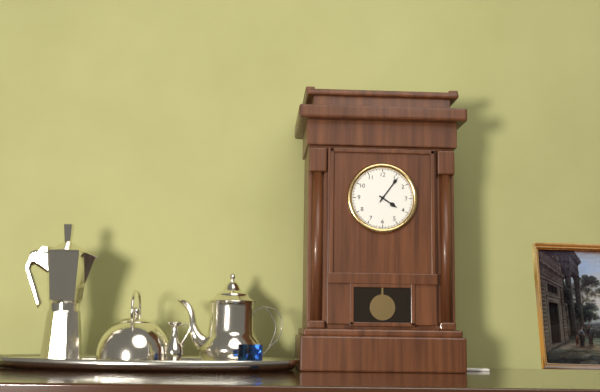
4:06
